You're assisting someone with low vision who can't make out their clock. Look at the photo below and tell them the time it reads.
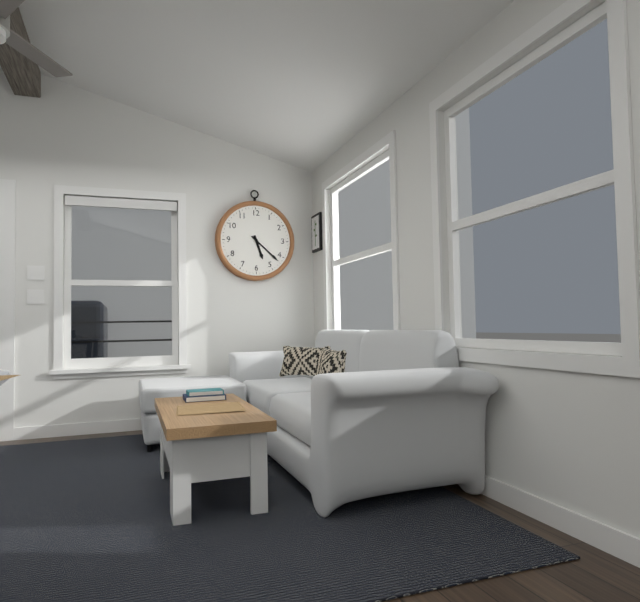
5:22
